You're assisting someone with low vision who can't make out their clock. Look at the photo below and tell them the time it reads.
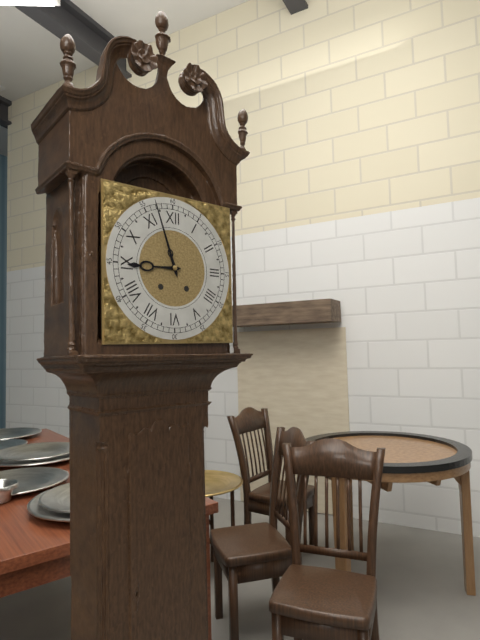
8:57
